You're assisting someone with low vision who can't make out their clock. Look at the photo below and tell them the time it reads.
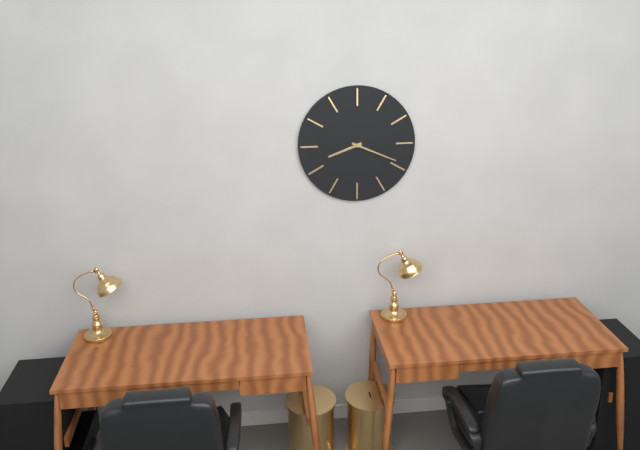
8:19
